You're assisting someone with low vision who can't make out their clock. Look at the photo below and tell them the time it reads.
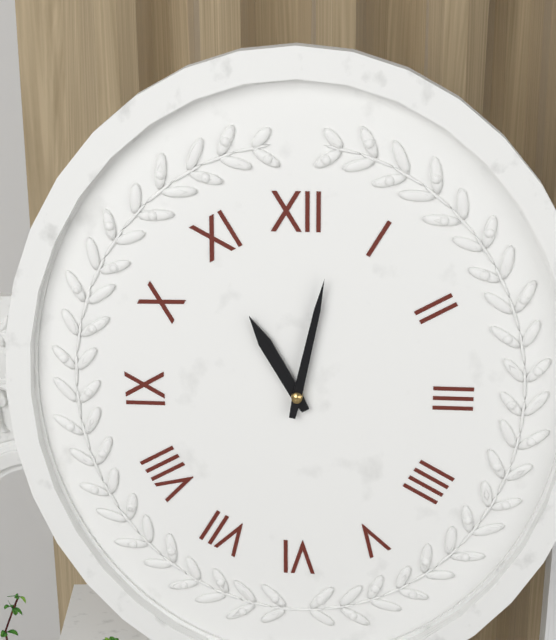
11:02
